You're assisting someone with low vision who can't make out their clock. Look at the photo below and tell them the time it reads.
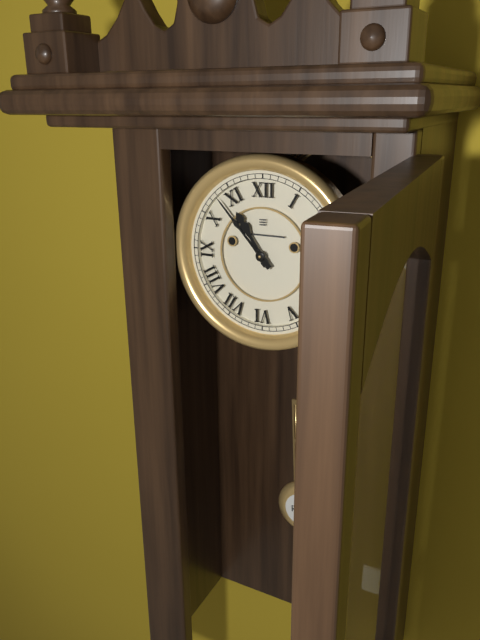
10:53
